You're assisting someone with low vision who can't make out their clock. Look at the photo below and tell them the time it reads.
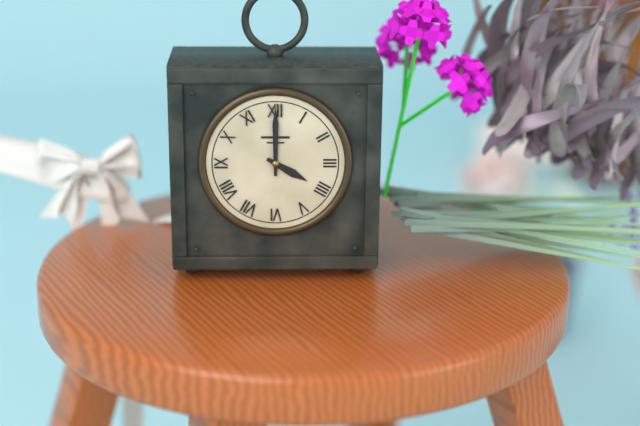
4:00
